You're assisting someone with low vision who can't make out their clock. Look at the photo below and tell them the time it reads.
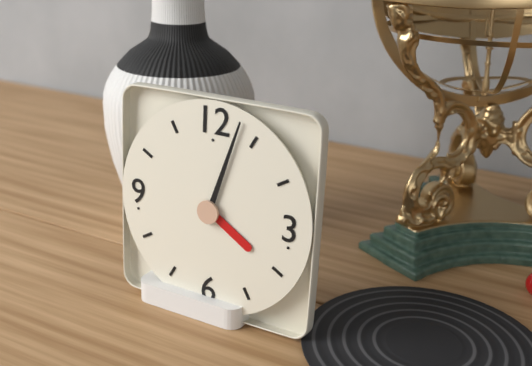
4:03
